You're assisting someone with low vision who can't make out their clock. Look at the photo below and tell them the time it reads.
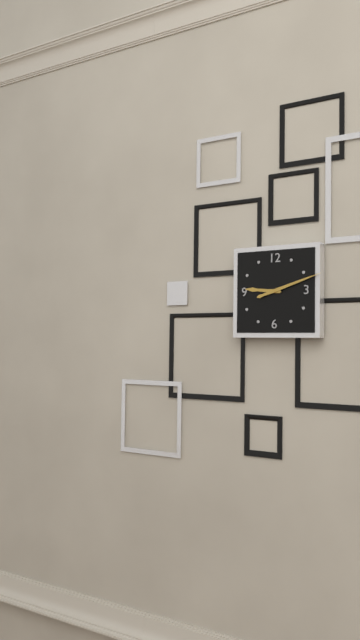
9:12
